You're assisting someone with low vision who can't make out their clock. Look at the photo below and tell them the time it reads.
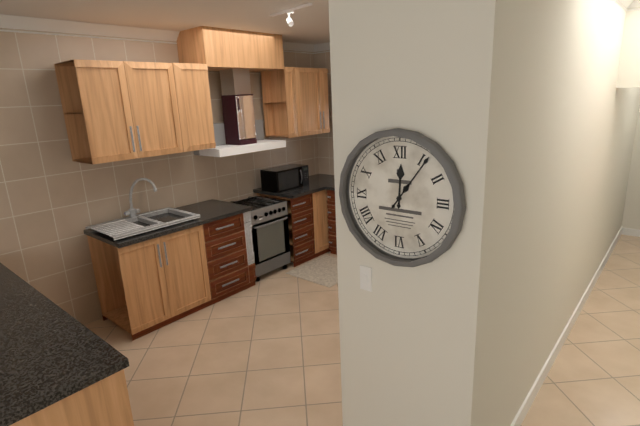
12:06
